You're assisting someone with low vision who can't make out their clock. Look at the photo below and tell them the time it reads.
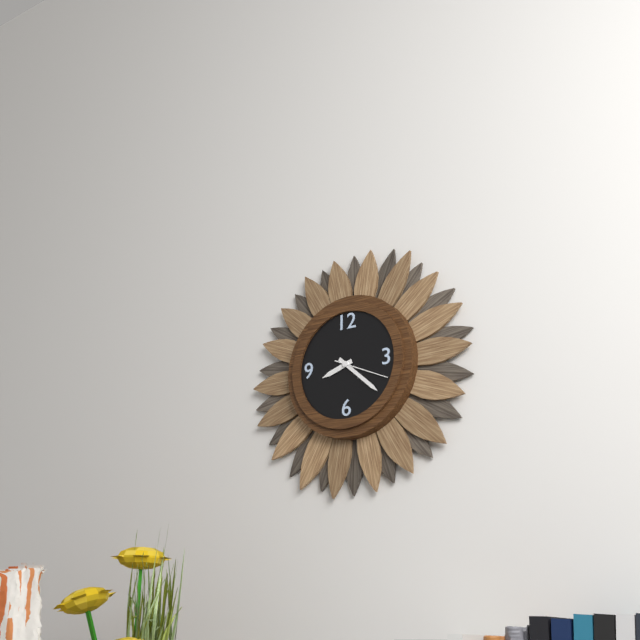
8:22
